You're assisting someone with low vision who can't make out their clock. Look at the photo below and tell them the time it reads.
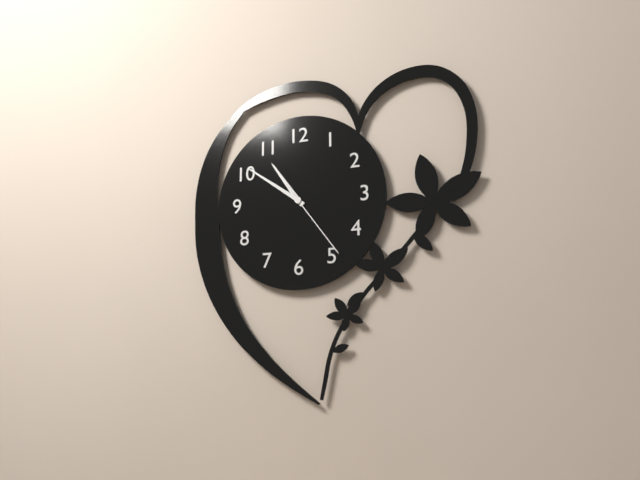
10:51:24
